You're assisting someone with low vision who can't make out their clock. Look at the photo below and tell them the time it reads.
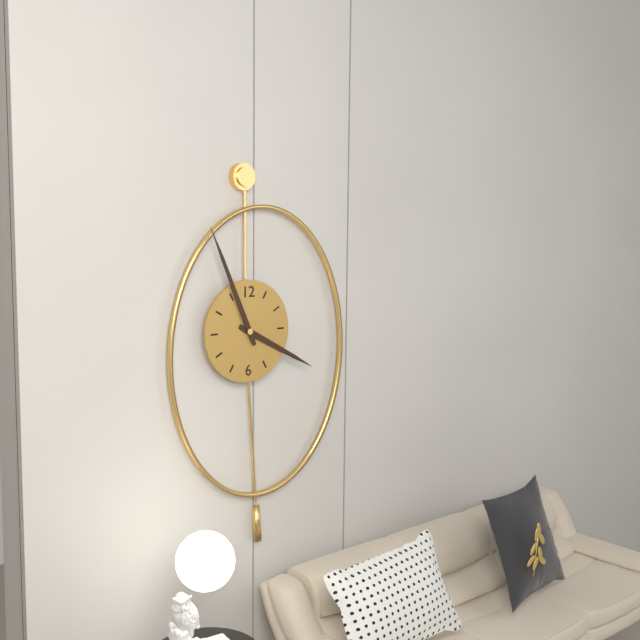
3:56
